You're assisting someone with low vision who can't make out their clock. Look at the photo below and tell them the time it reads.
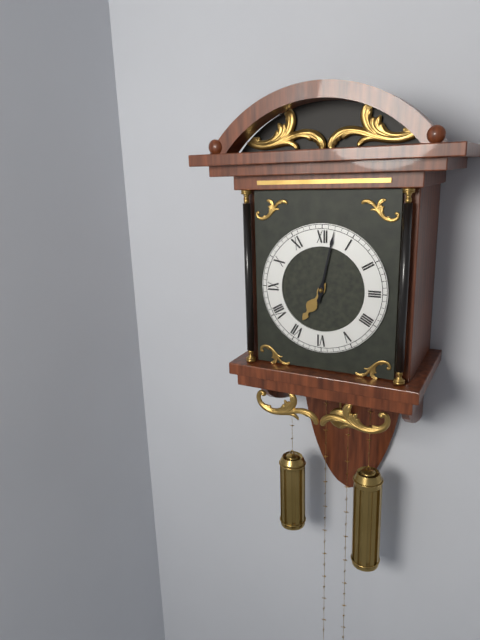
7:02
